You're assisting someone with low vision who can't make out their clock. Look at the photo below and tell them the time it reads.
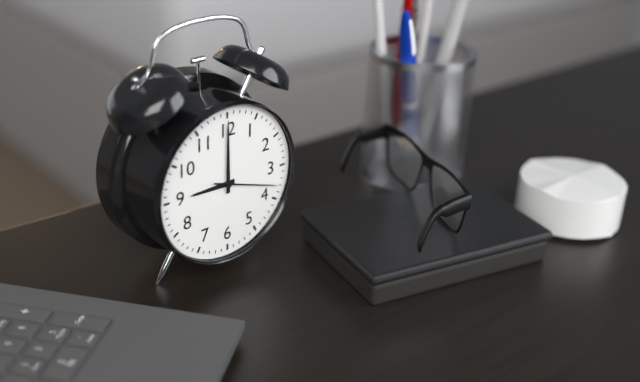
9:00:18
